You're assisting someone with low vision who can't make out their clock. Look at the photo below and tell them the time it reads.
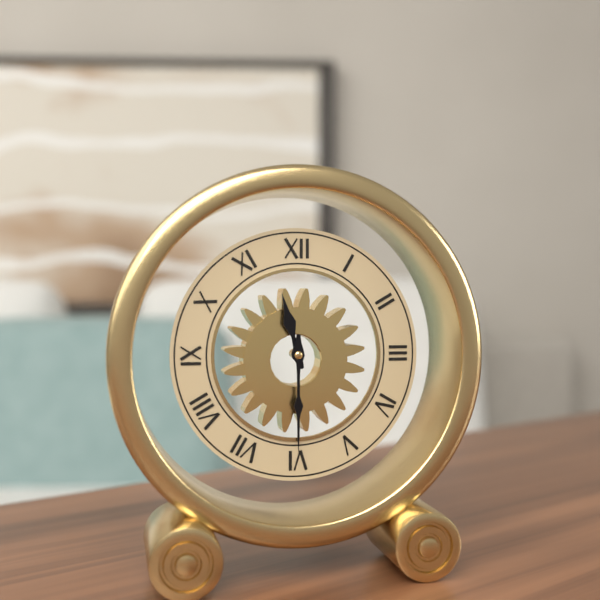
11:30
